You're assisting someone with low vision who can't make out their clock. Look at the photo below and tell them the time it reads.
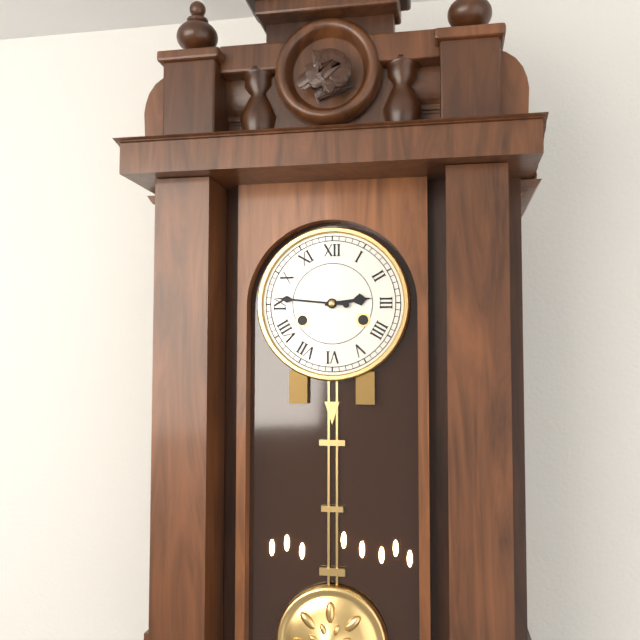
2:46
